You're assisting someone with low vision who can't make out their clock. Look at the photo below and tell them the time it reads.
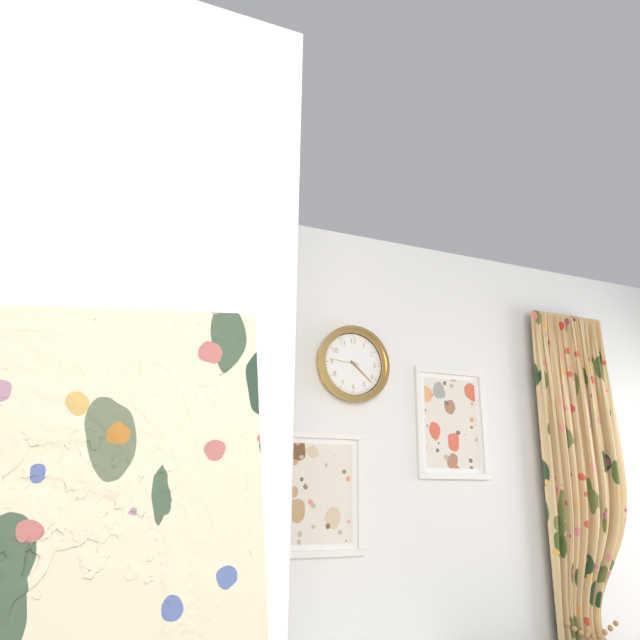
4:22
